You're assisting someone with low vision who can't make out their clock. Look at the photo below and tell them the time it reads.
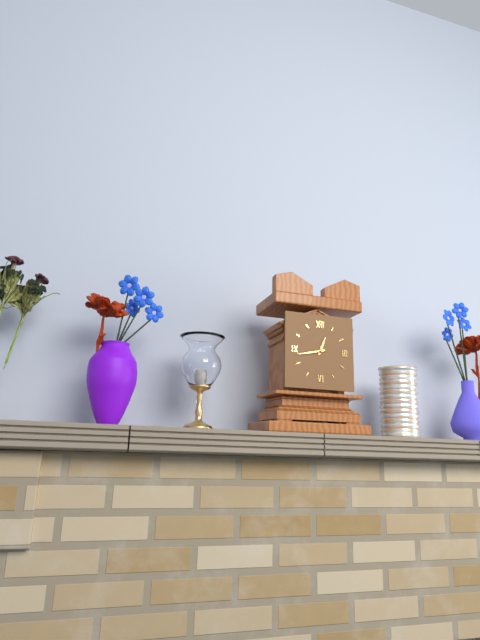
12:43
